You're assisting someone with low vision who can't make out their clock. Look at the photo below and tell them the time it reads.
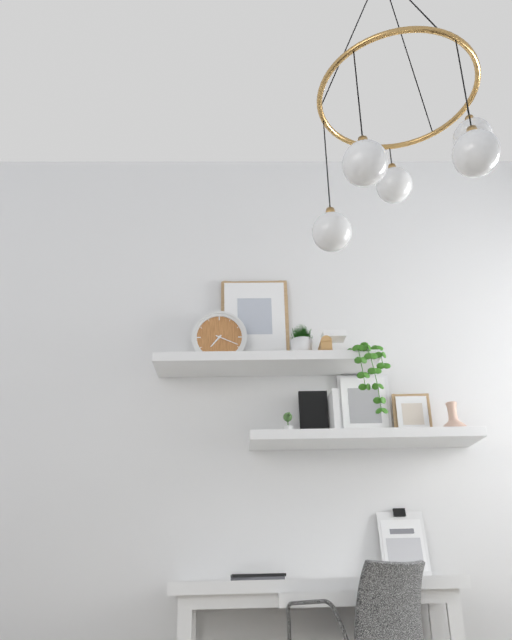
7:19
